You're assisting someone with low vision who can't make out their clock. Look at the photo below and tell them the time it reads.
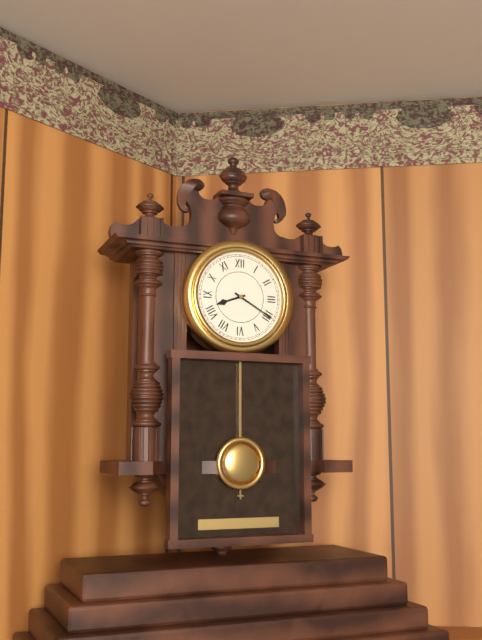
8:20
